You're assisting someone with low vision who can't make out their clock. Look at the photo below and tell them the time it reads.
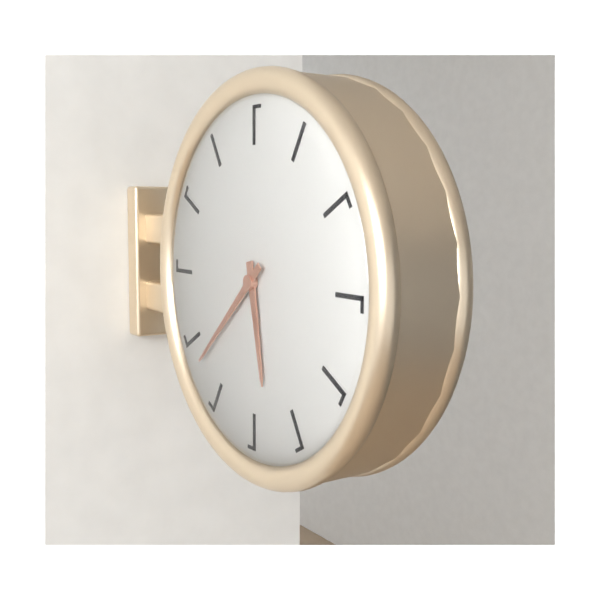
5:38
